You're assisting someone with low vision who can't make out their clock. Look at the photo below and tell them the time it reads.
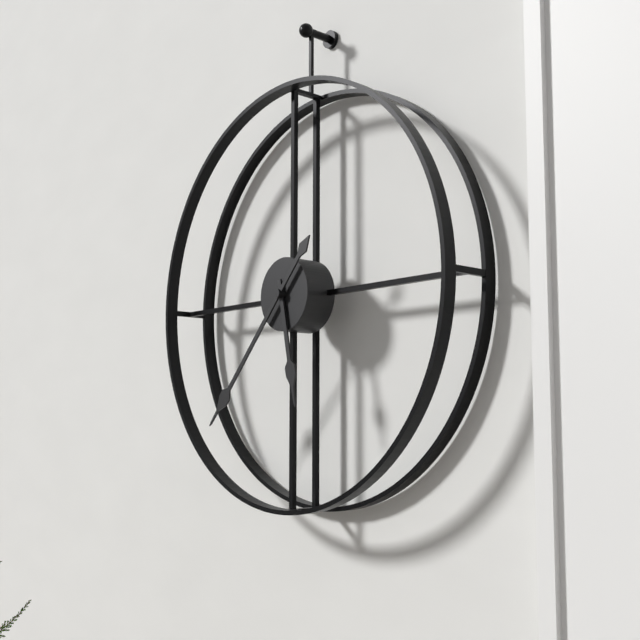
5:37
